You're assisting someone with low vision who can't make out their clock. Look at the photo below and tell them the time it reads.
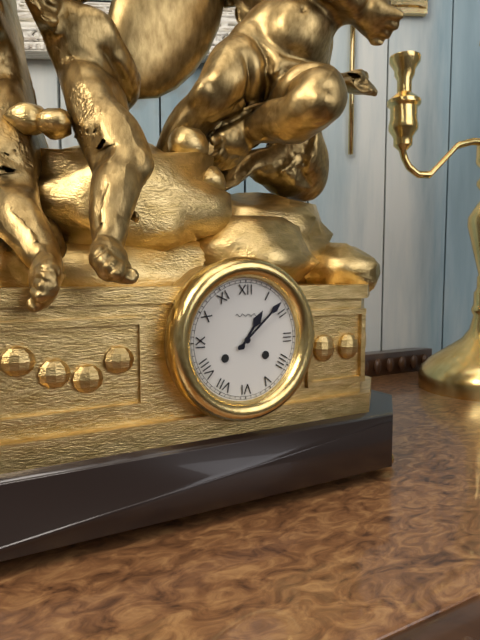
1:08
